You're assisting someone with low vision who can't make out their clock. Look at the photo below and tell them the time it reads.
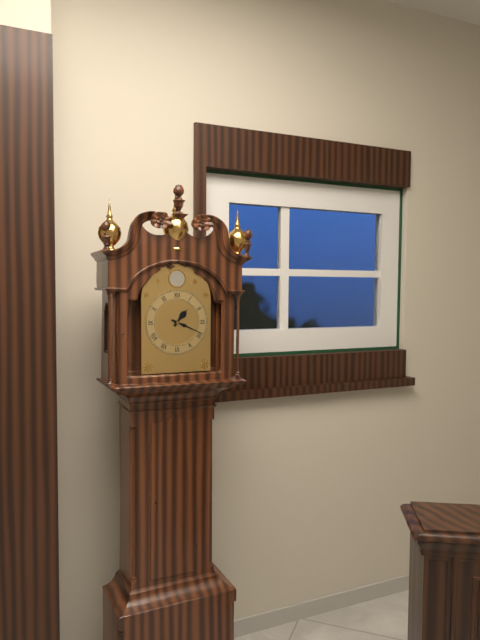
1:19
